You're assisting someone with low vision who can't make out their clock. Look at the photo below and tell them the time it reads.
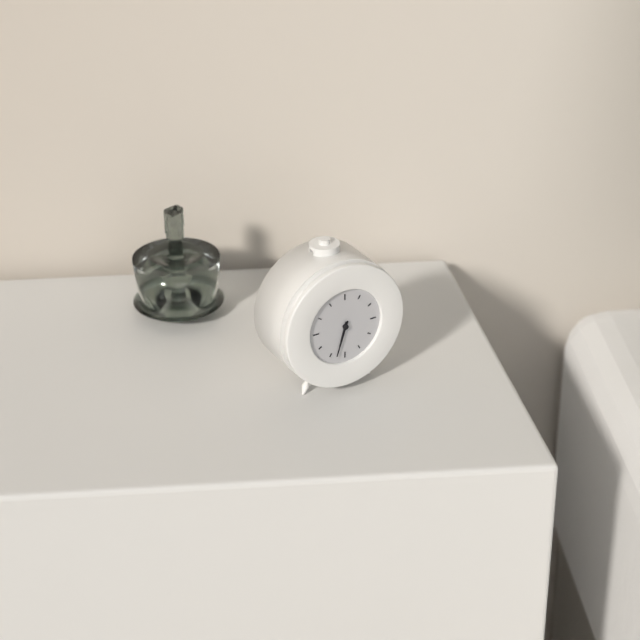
6:33
